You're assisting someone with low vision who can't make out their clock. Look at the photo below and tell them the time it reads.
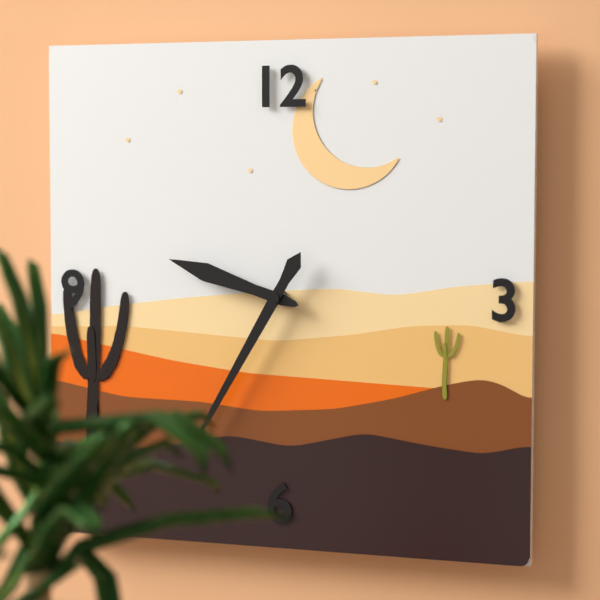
9:35
